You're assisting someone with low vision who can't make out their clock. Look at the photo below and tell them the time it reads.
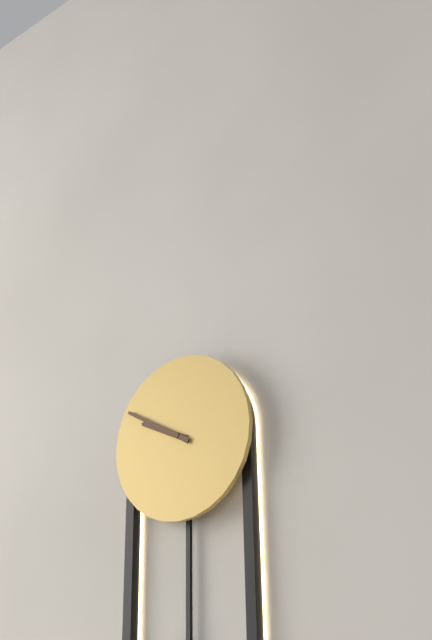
9:50
